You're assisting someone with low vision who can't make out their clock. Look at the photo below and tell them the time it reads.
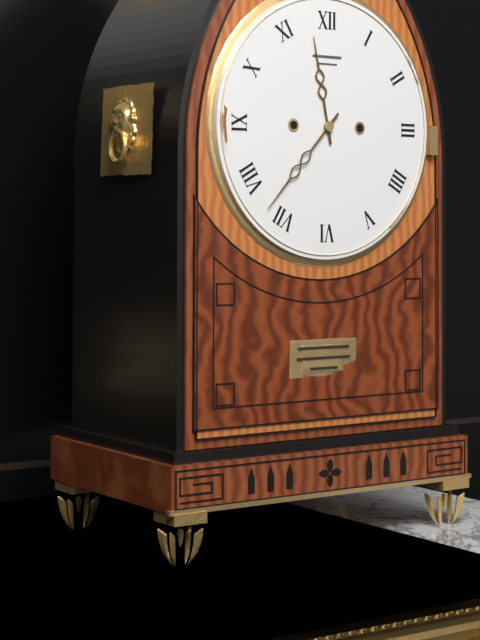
11:37
